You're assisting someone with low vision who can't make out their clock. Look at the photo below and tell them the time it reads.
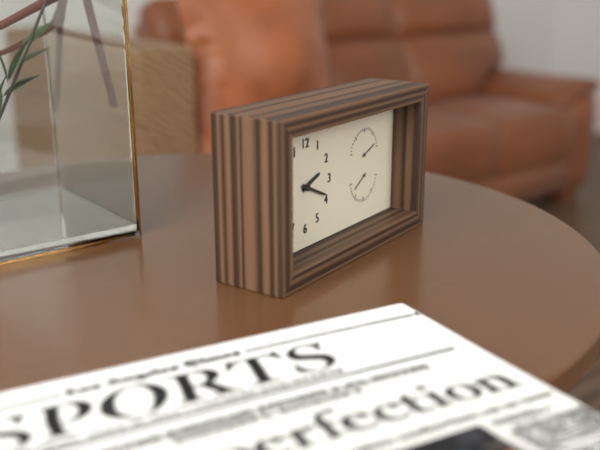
2:19
